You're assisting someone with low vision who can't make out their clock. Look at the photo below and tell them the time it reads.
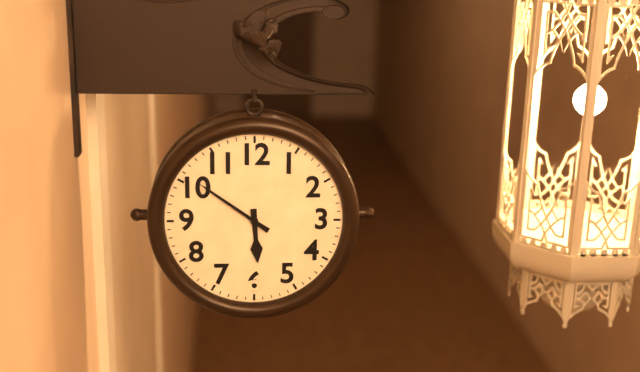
5:51
